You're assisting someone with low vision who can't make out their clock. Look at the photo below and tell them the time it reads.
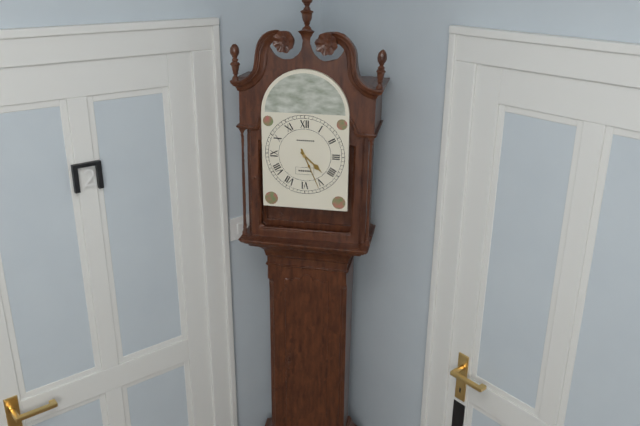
4:26
